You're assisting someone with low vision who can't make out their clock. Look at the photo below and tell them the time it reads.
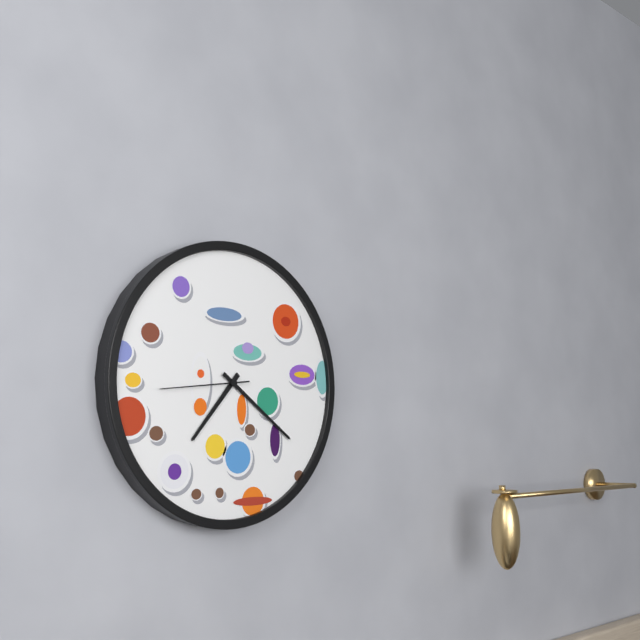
7:21:44
